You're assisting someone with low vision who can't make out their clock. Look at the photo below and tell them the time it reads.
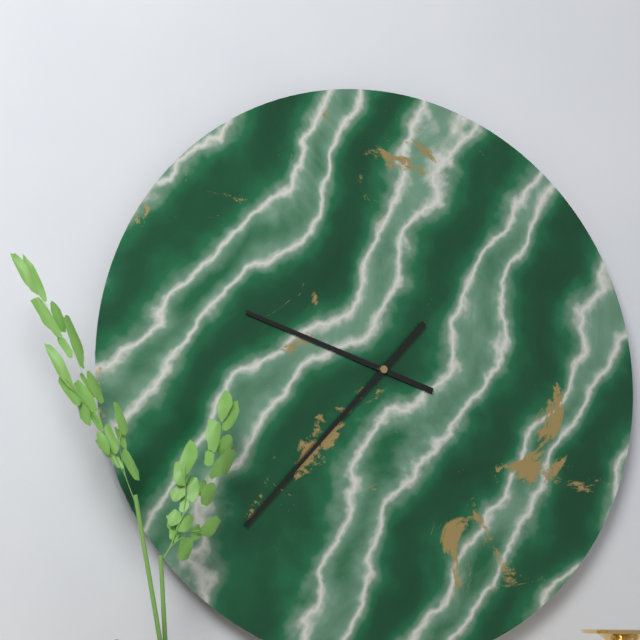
9:37
